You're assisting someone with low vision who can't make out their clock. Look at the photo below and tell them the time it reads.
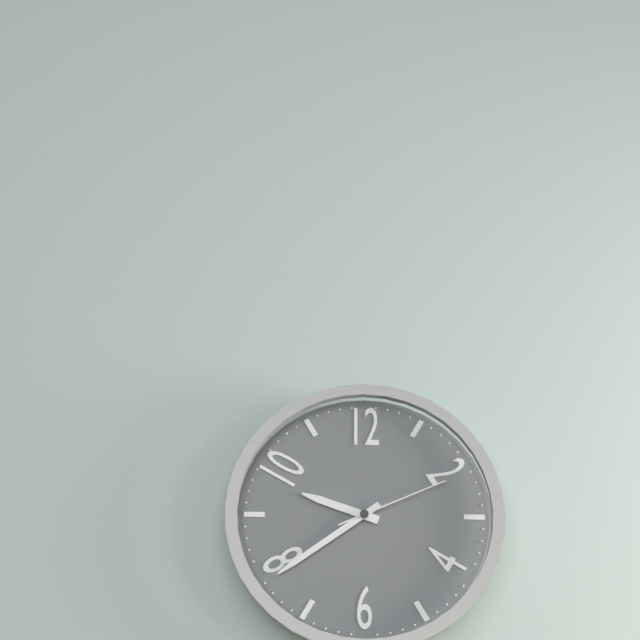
9:39:11
